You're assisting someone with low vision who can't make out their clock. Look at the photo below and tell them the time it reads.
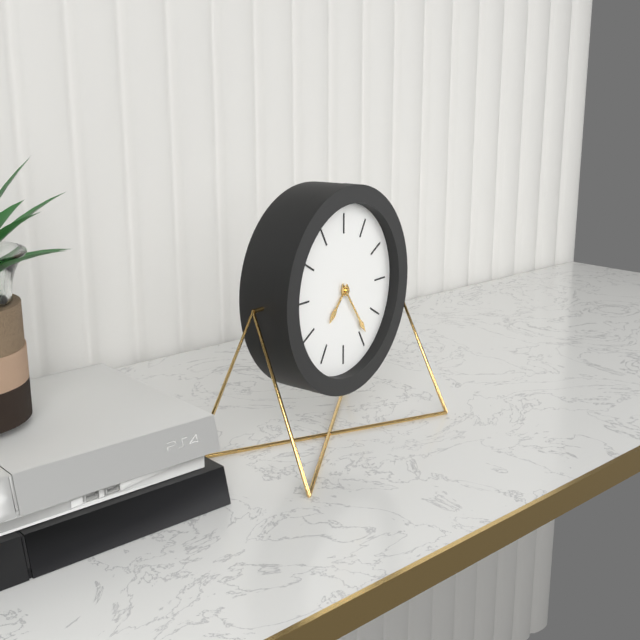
7:24
